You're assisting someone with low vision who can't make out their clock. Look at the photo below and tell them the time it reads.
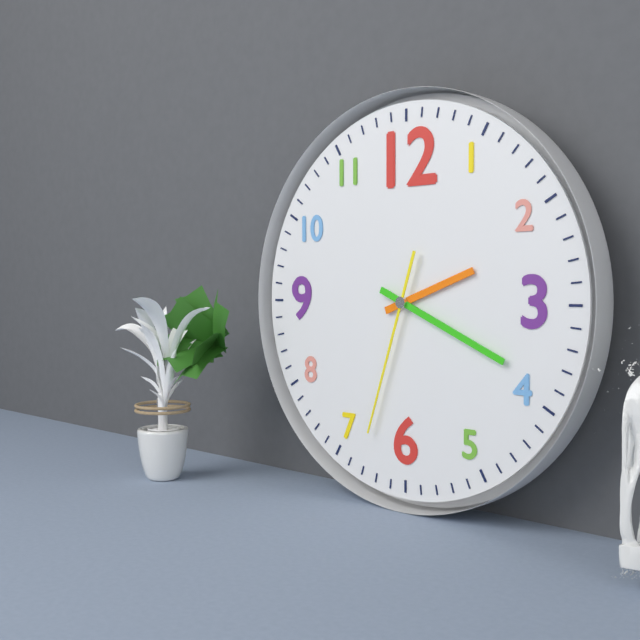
2:19:33
